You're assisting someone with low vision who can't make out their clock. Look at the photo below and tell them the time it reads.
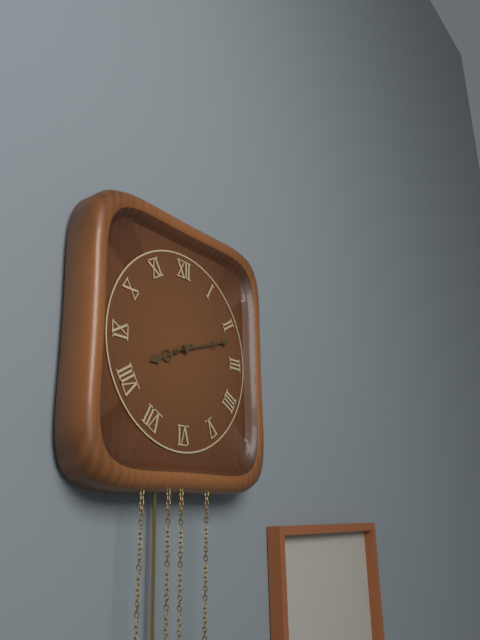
8:12
